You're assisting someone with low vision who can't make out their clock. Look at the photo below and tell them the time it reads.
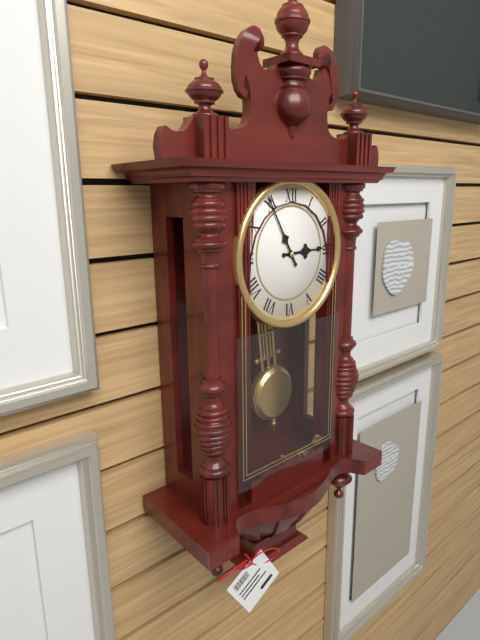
2:55
